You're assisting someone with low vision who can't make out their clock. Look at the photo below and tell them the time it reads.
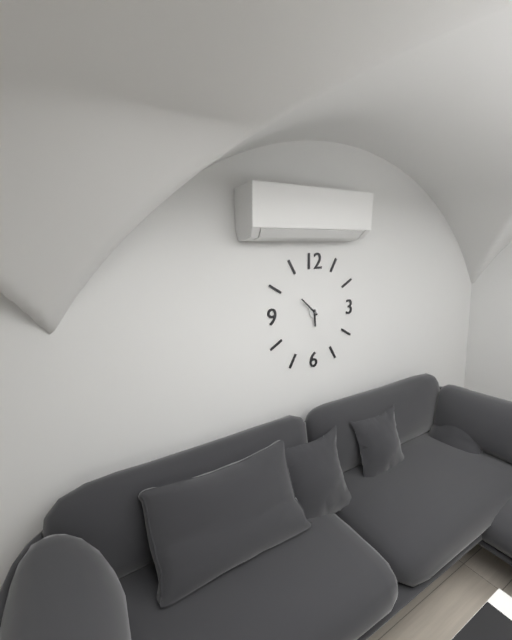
5:52
